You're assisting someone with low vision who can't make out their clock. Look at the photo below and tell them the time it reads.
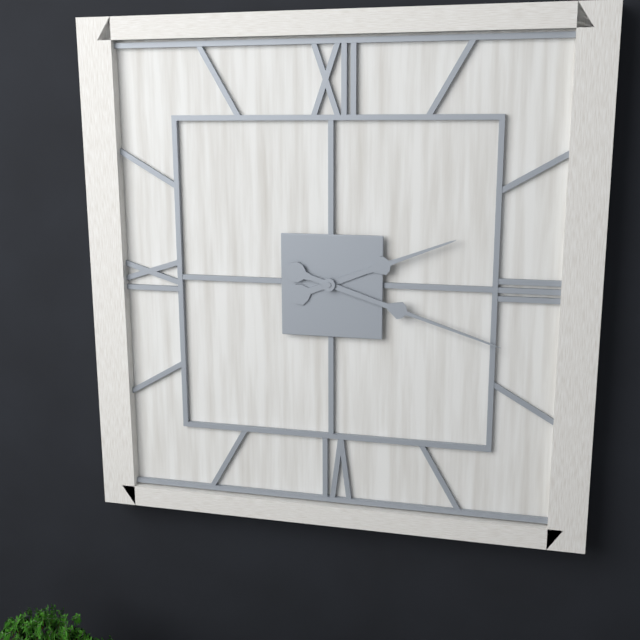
2:18
